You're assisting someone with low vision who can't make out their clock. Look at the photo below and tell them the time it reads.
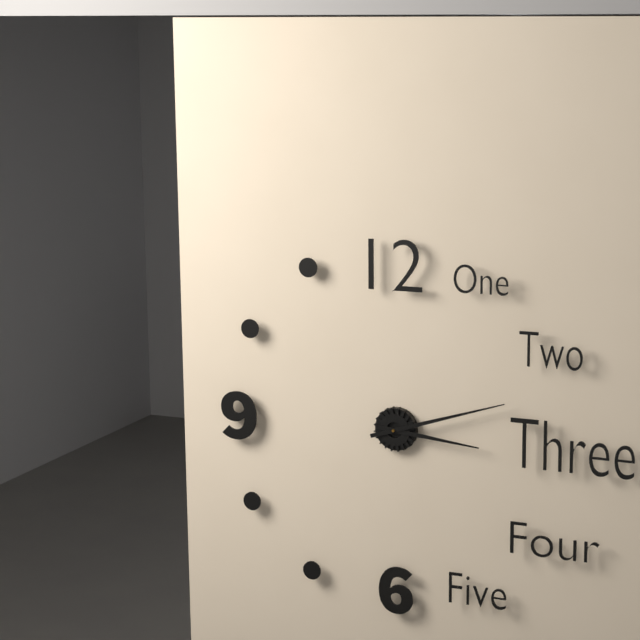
3:12
